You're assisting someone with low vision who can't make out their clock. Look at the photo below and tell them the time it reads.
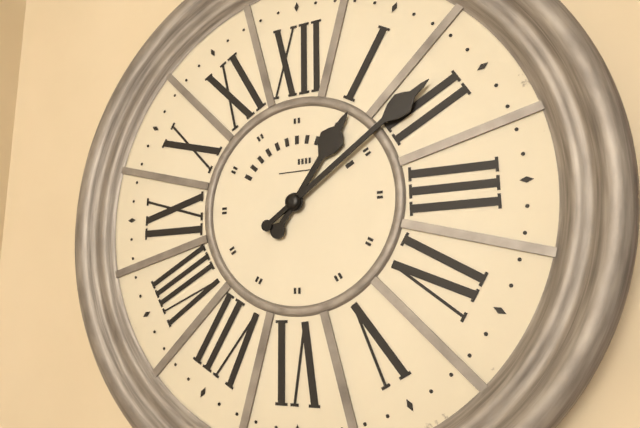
1:09
